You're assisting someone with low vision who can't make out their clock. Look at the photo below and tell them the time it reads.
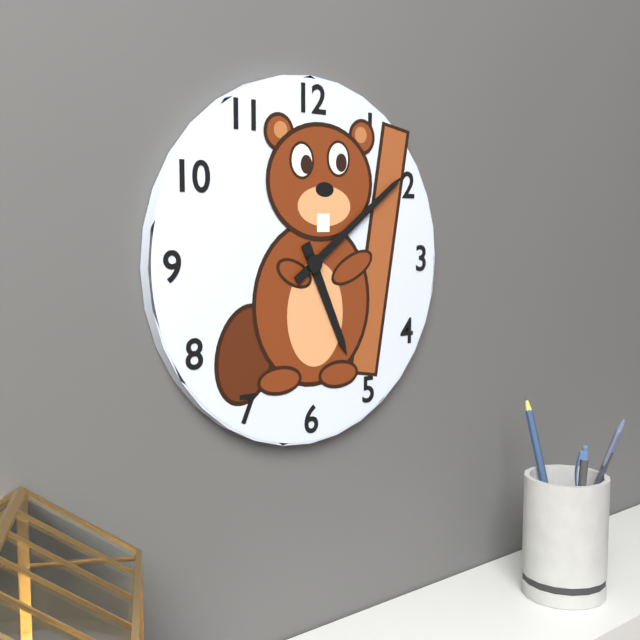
5:09
